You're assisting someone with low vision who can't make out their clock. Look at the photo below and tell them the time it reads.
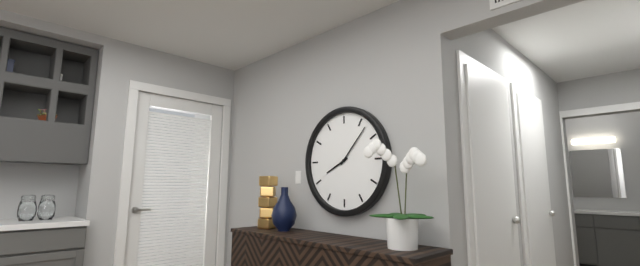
8:07
